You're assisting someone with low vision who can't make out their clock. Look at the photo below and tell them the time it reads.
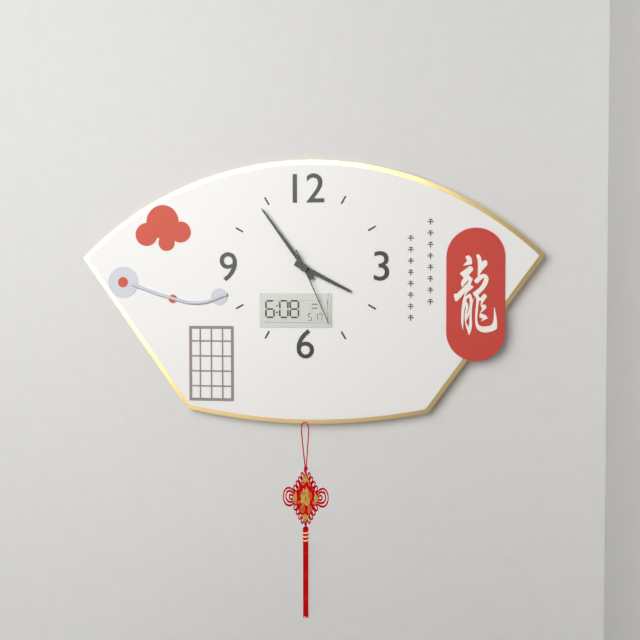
3:54:26
